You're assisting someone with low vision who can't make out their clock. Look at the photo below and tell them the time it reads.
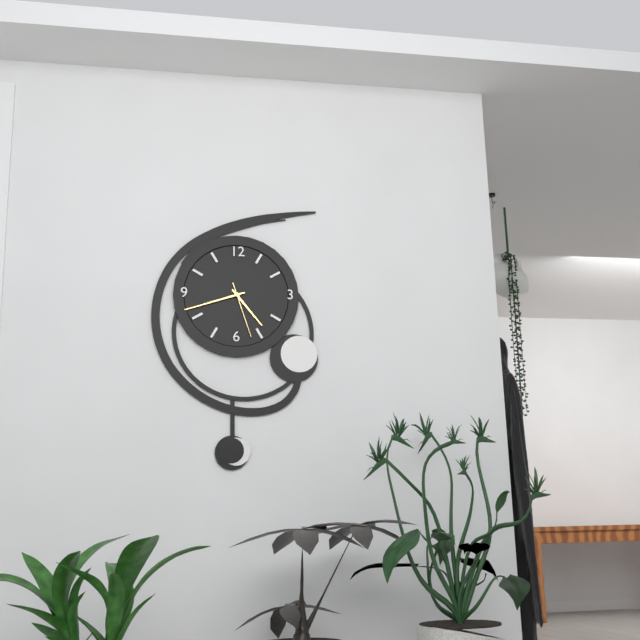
4:42:27
